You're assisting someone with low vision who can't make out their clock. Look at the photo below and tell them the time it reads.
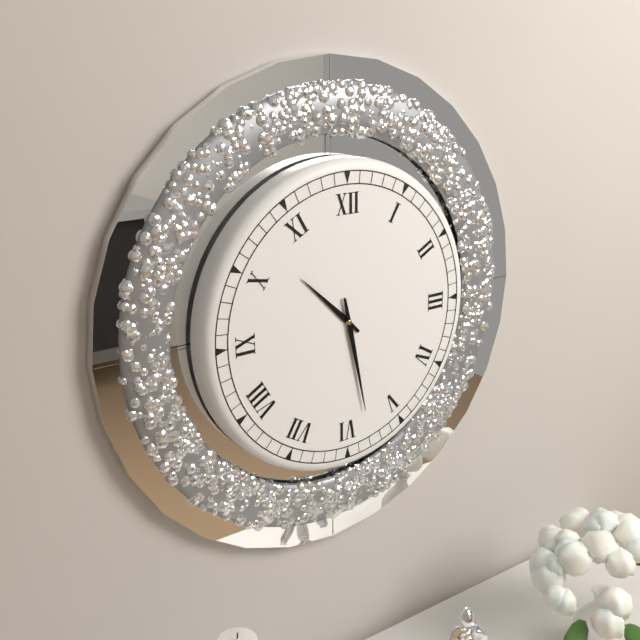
10:28
